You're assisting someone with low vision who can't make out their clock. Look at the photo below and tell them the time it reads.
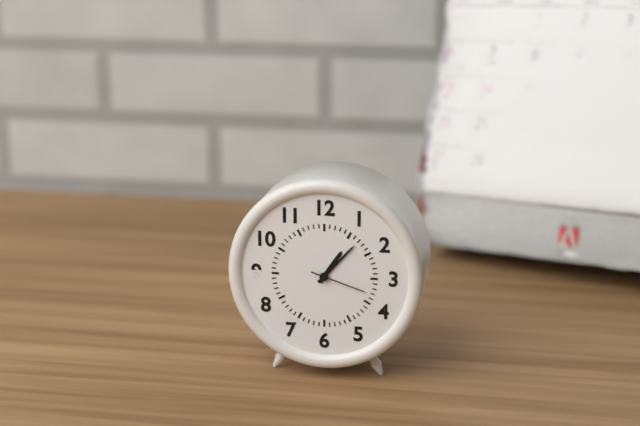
1:07:18
